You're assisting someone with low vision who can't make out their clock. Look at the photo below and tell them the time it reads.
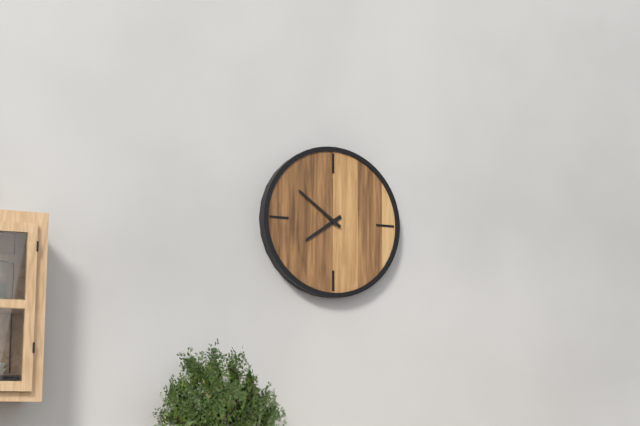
7:51
